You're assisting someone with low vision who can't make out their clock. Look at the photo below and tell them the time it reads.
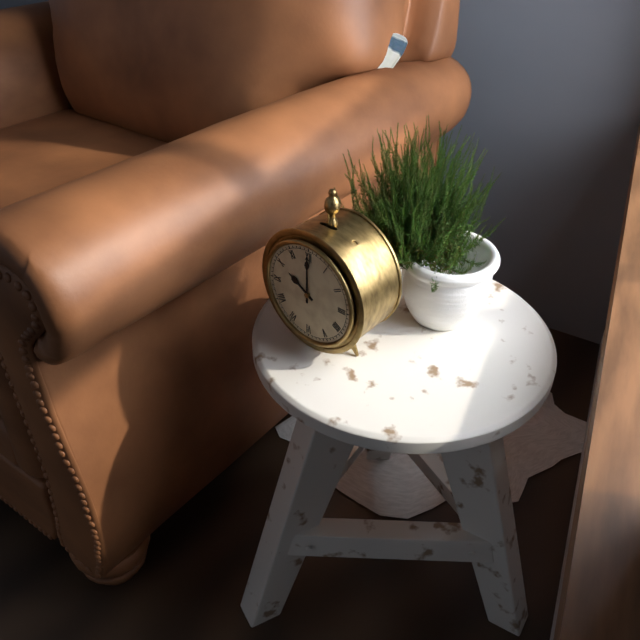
10:00
